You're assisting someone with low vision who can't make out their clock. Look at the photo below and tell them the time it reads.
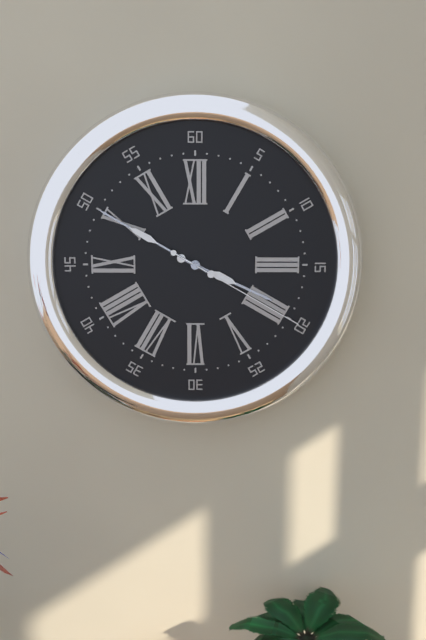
3:50:20
